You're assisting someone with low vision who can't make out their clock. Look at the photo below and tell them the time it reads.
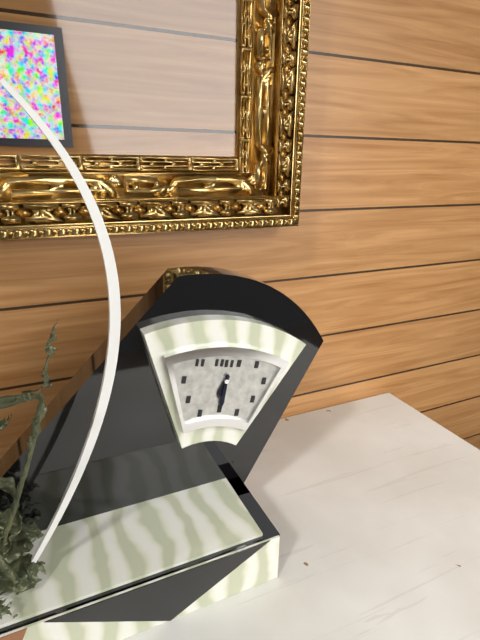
6:30
